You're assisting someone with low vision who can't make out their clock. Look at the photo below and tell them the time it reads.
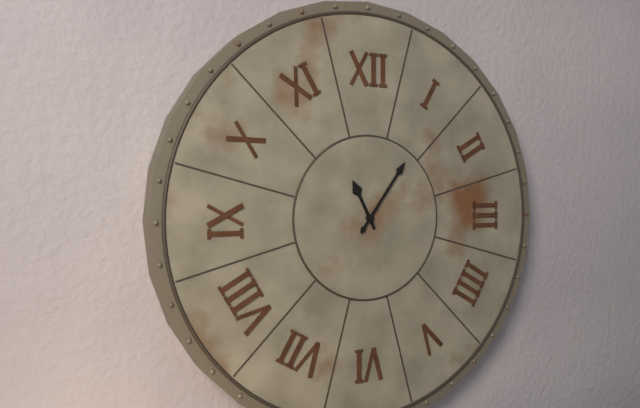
11:06
